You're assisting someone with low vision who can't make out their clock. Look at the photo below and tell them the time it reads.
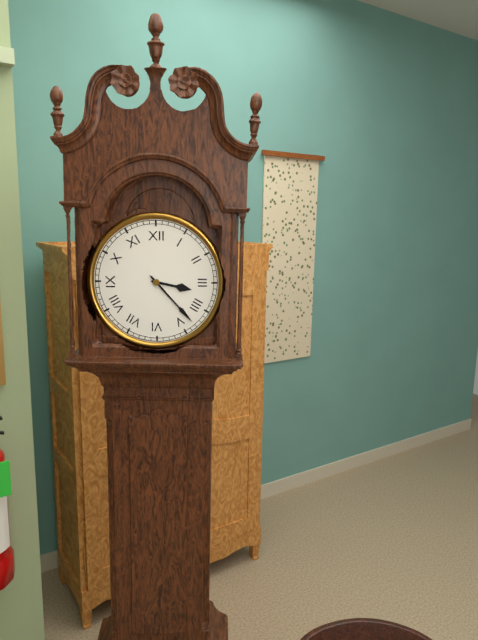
3:23
